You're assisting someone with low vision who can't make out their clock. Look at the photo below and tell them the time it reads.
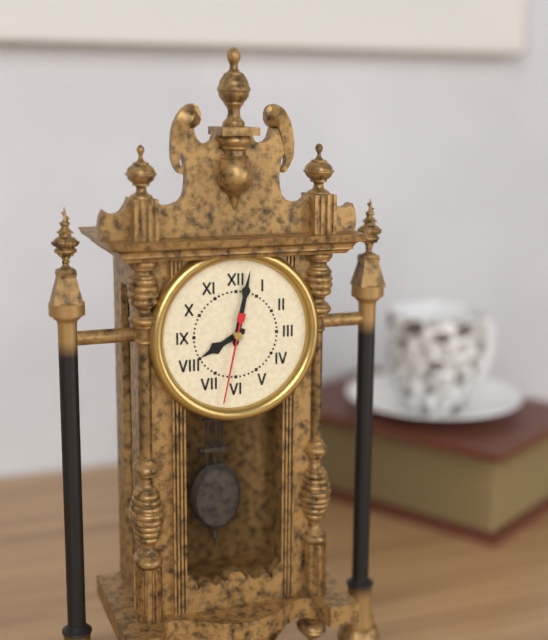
8:02:32
